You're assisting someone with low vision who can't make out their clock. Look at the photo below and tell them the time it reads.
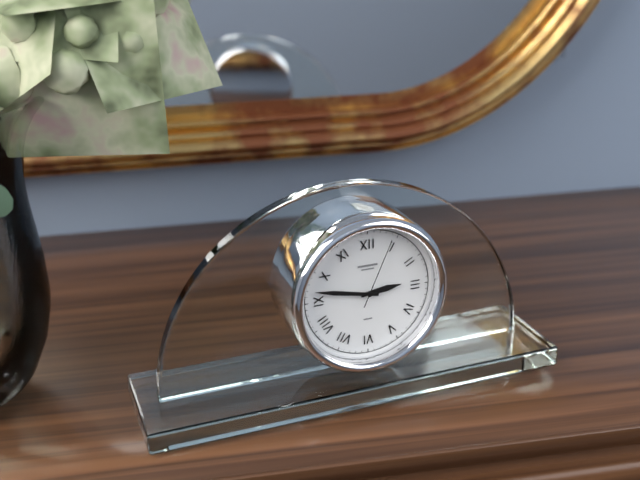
2:47:04
